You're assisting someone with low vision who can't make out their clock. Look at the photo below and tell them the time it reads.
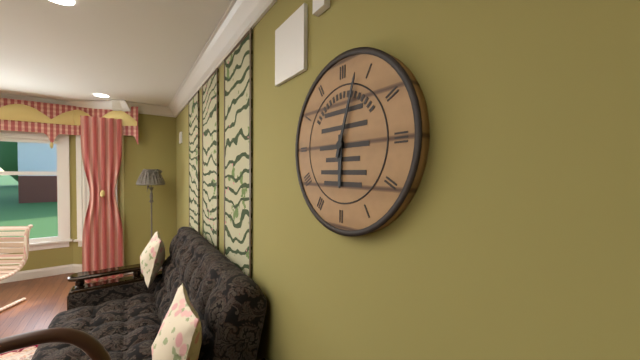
6:03
